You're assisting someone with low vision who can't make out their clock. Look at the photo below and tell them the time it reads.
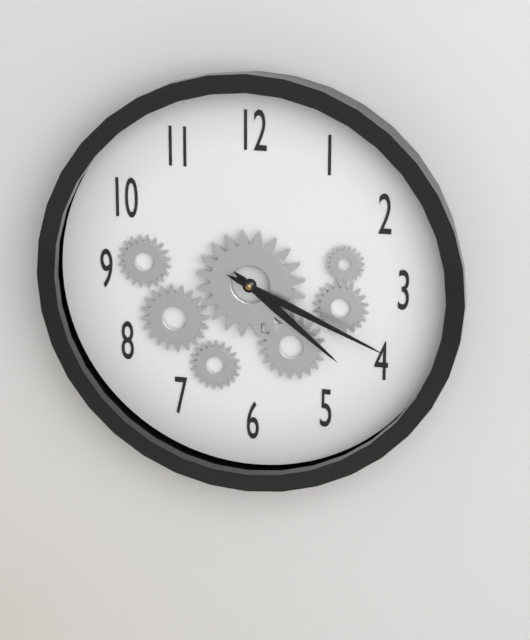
4:19
